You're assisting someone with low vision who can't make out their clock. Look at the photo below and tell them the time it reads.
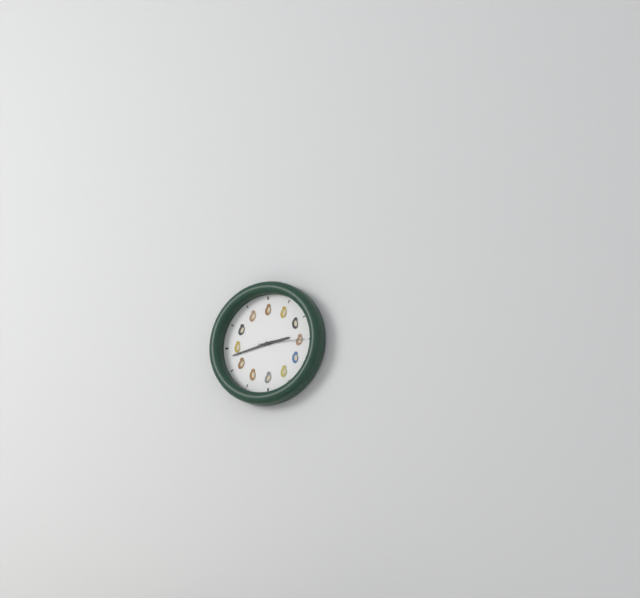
2:43
